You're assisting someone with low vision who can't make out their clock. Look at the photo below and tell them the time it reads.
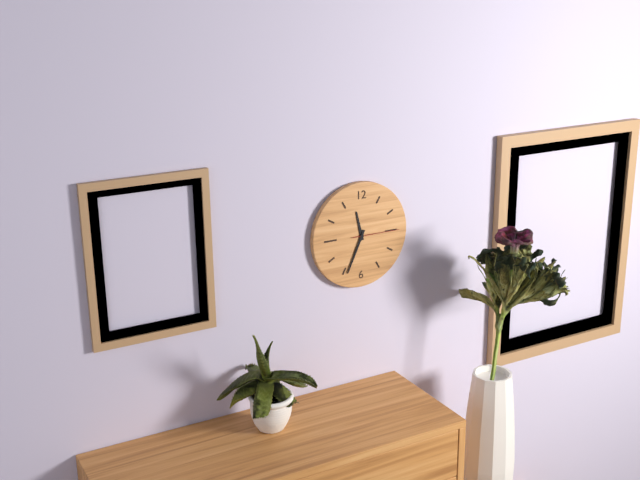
11:34:15
